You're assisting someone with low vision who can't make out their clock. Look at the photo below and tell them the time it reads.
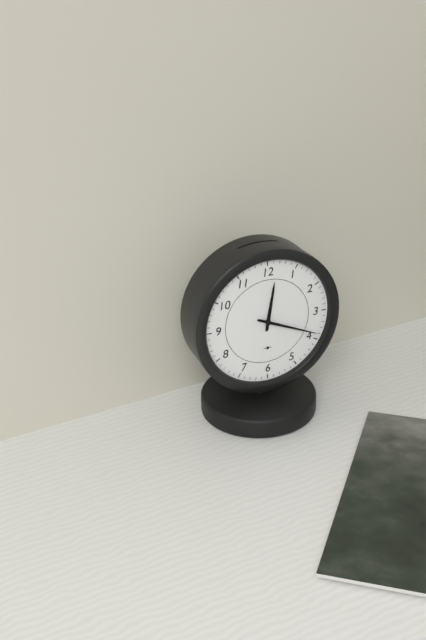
12:19
